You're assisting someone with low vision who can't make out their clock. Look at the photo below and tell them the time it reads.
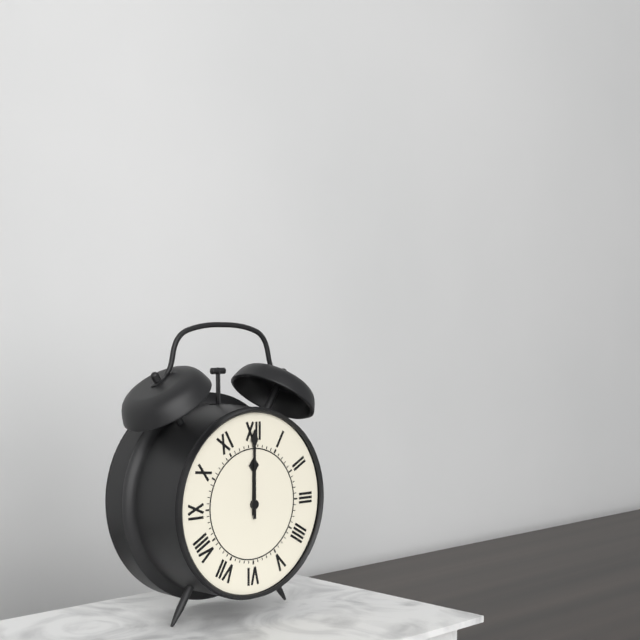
12:00
